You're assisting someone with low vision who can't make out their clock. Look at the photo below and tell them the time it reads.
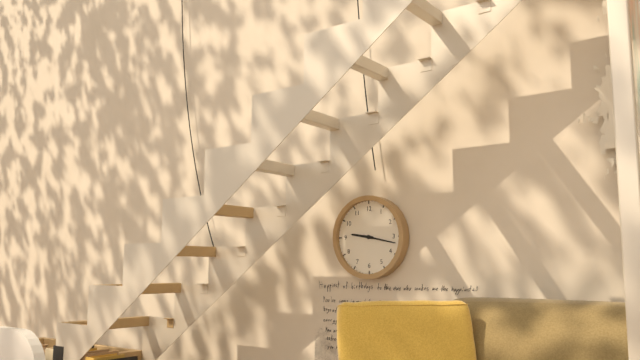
9:17
